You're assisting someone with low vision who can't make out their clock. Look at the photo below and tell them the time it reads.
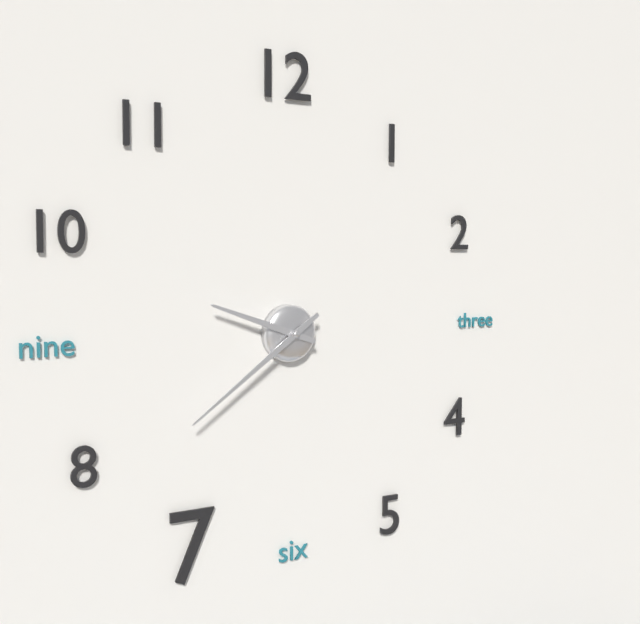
9:39
